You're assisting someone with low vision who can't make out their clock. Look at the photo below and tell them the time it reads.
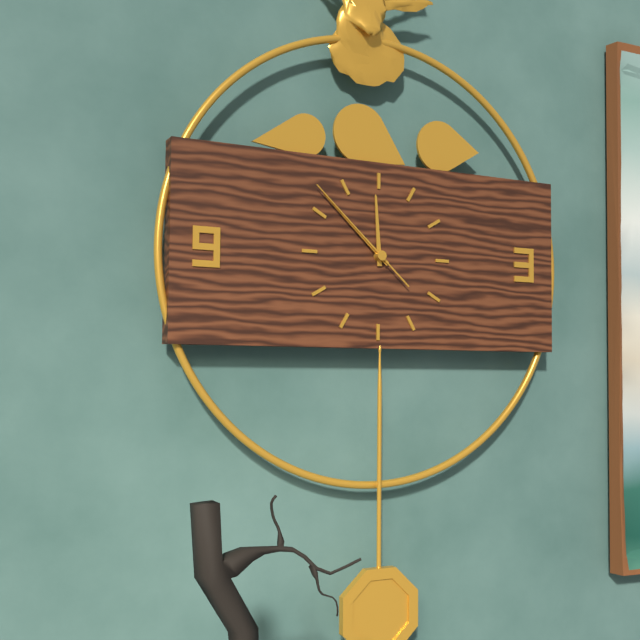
11:52:52
